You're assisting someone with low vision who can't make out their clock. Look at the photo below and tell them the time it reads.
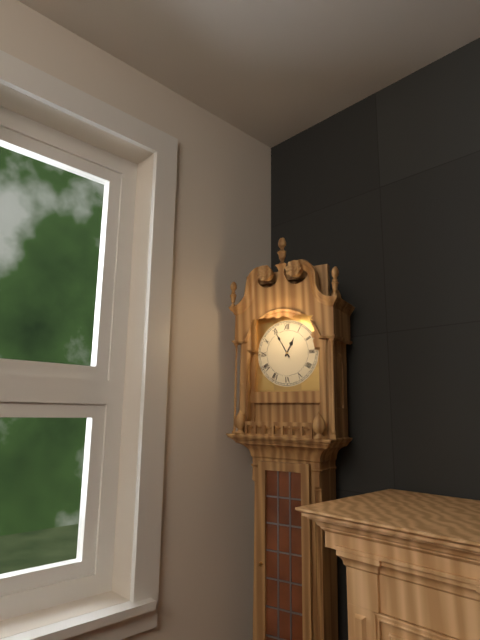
12:55
